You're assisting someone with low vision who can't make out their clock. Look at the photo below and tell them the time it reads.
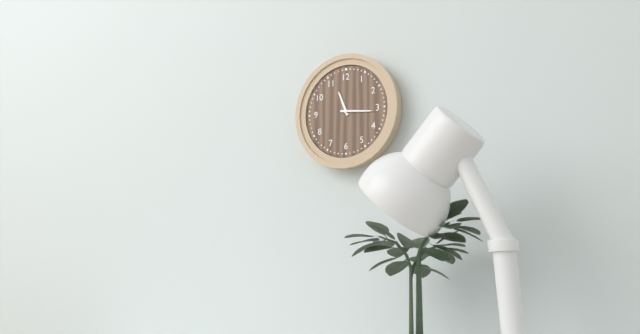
11:16
